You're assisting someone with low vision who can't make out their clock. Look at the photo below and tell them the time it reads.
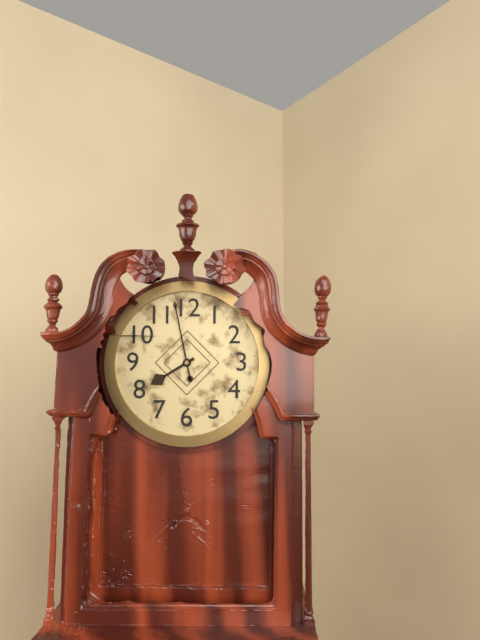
7:58
